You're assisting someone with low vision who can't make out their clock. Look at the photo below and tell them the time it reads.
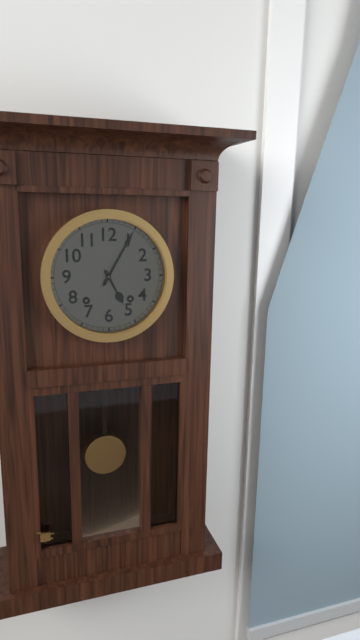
5:05
